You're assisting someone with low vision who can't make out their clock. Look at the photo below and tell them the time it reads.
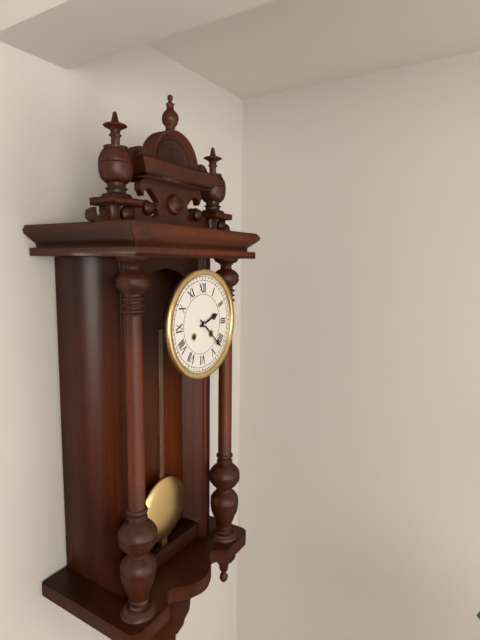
2:22
